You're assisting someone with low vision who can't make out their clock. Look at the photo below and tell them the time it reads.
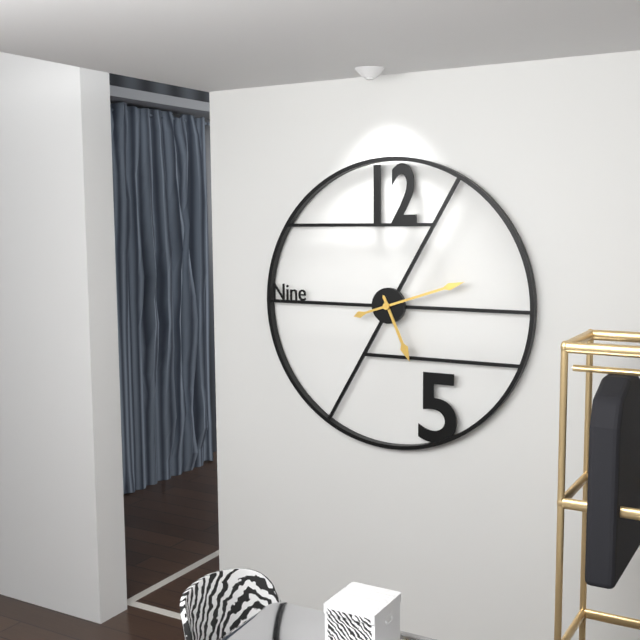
5:12
